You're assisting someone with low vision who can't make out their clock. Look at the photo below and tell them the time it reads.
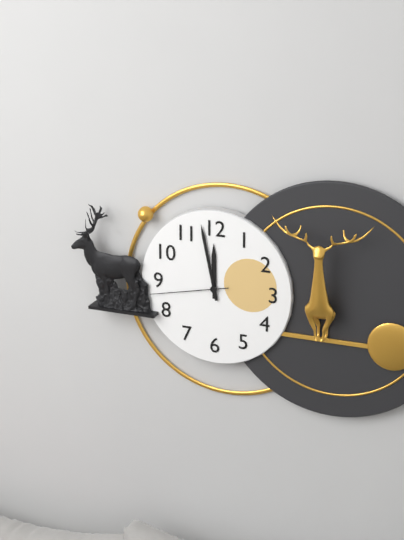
11:58:43
